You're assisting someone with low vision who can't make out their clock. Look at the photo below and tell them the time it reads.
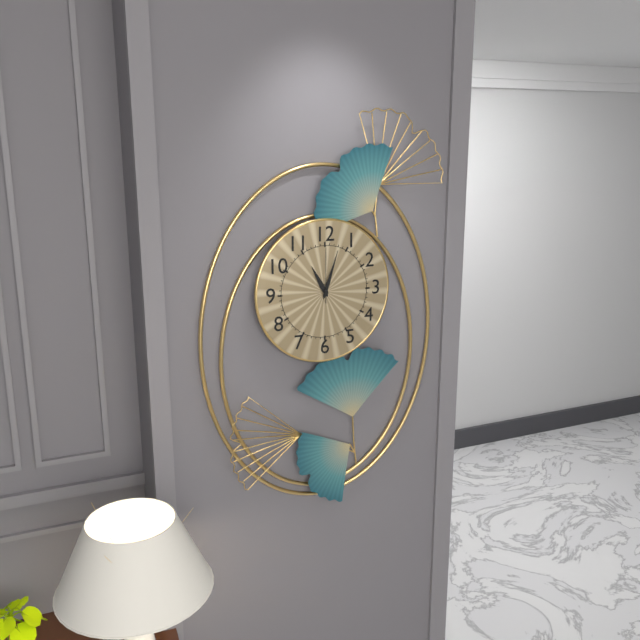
11:03:00
